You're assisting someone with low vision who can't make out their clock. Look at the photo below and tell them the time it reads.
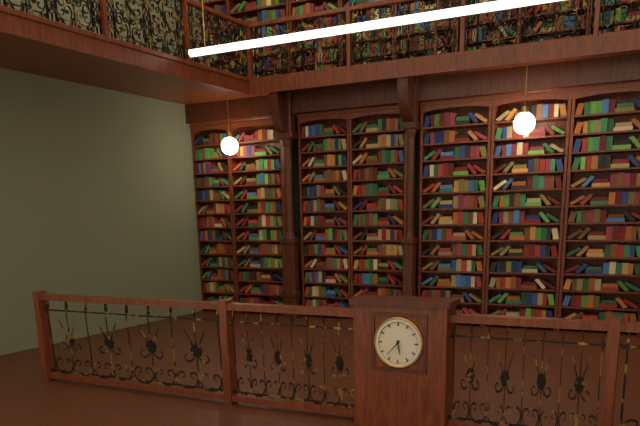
5:37
